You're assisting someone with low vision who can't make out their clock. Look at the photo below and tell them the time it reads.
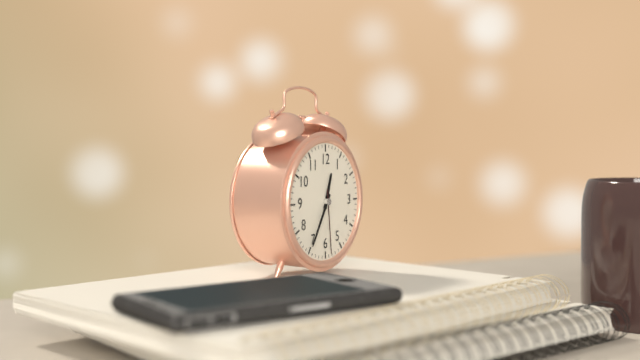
12:35:29
